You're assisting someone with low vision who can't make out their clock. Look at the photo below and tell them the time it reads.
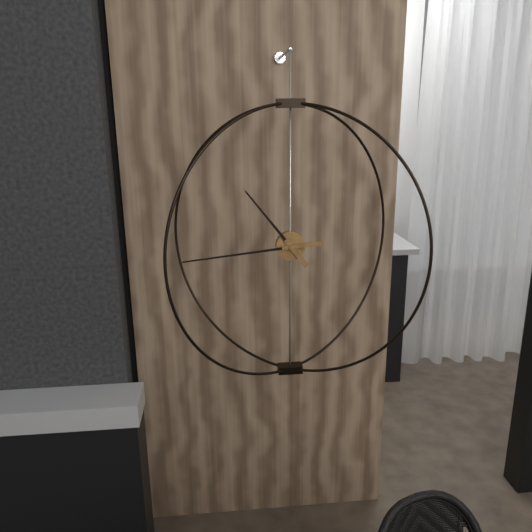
10:44
